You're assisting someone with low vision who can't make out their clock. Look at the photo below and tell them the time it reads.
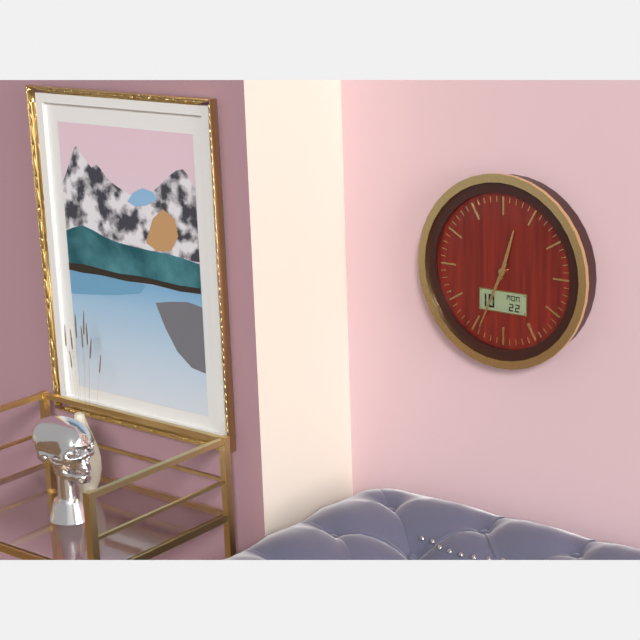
12:34
